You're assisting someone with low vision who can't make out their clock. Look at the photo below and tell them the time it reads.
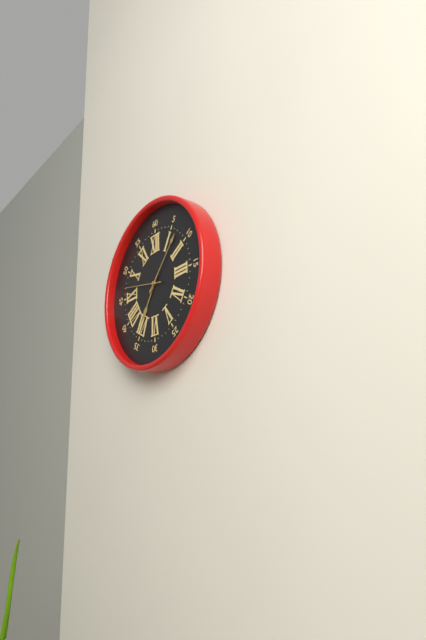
7:07:47
